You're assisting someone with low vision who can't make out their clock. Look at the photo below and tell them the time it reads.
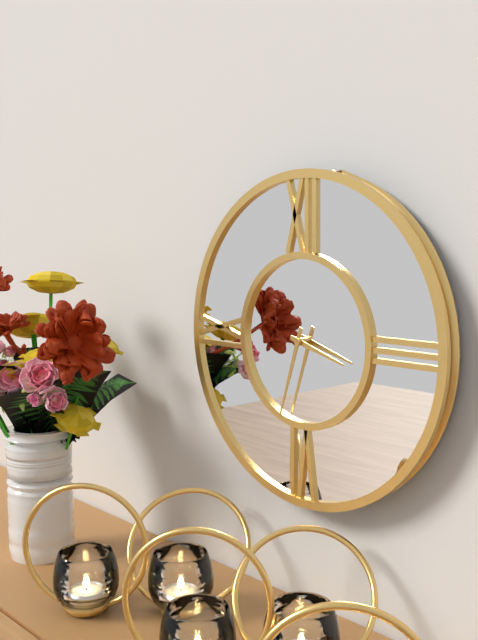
3:33
